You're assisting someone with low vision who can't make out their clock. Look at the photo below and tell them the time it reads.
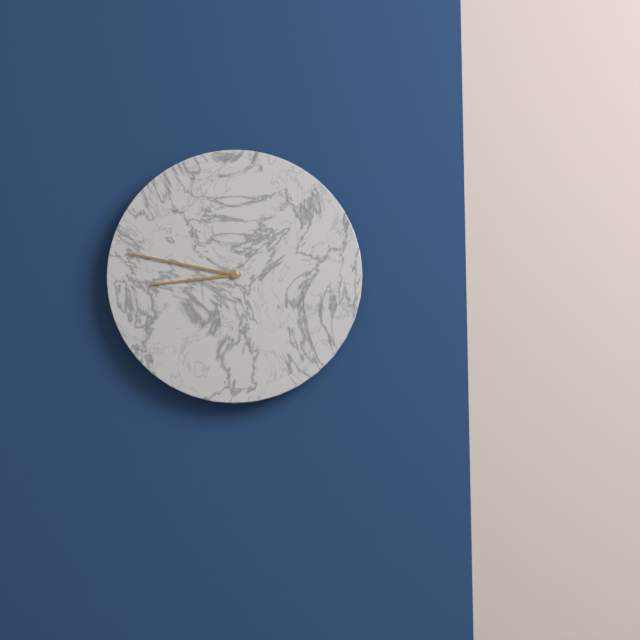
8:47
